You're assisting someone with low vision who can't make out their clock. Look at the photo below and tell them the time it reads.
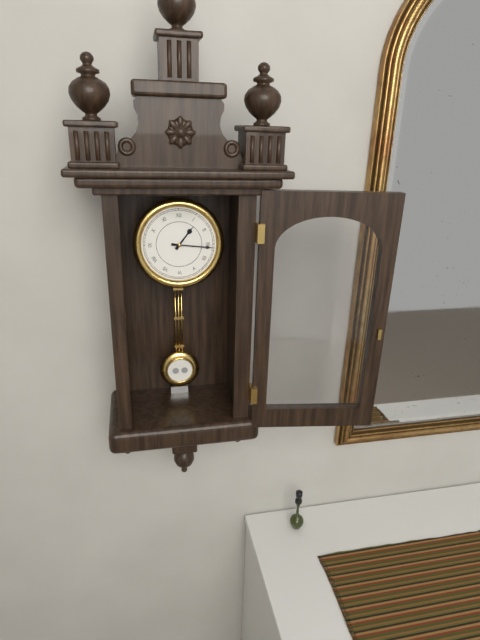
1:16
